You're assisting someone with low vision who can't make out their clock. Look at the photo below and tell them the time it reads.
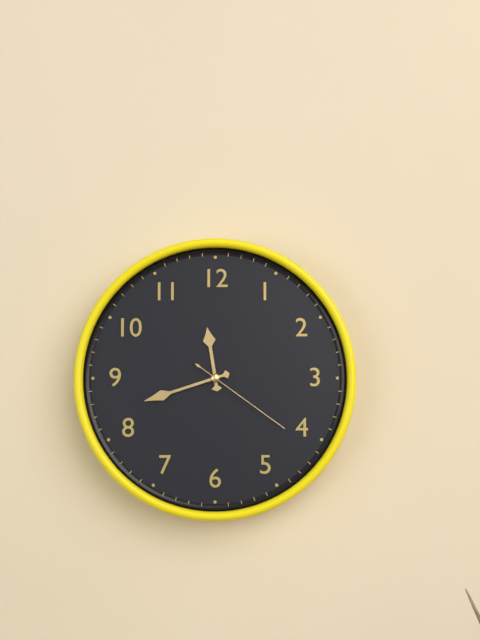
11:42:21
